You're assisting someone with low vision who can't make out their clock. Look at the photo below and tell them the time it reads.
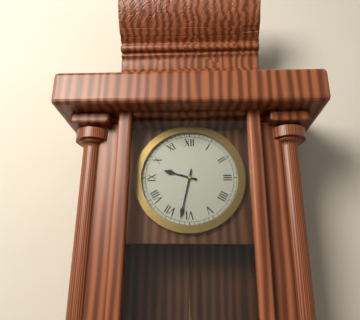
9:32
